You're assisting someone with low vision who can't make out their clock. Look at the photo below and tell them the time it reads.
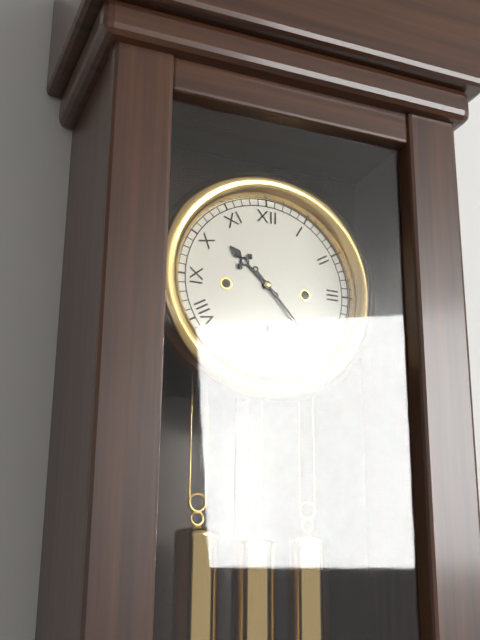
10:23
